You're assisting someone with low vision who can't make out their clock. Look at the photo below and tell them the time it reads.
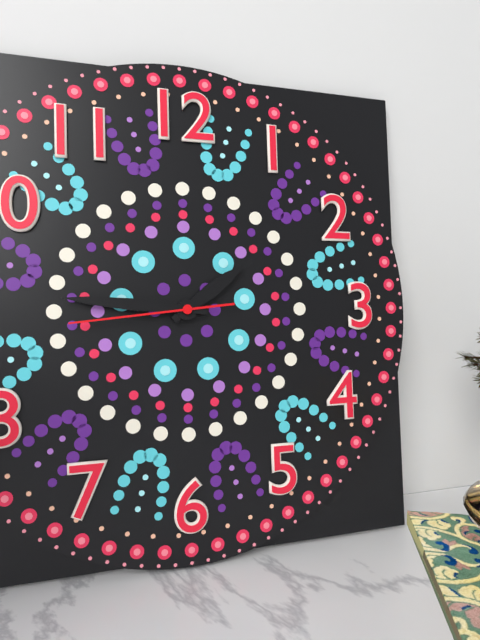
1:46:44
